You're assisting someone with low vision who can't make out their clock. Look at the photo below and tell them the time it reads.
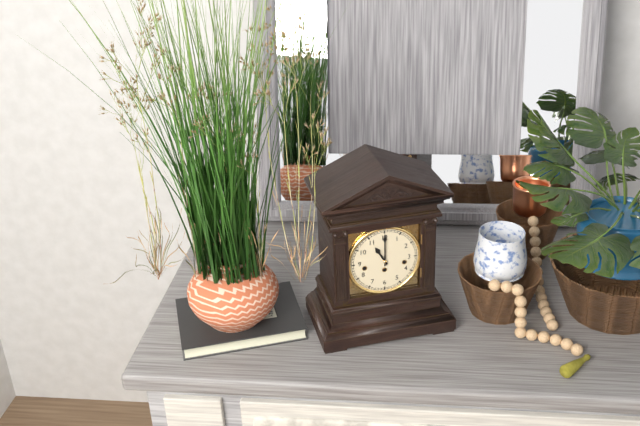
11:00
